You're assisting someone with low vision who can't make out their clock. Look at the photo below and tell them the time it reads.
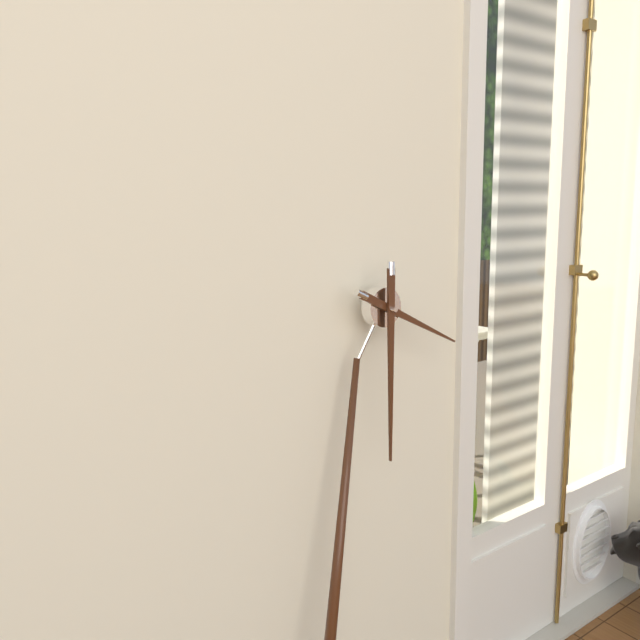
3:28
